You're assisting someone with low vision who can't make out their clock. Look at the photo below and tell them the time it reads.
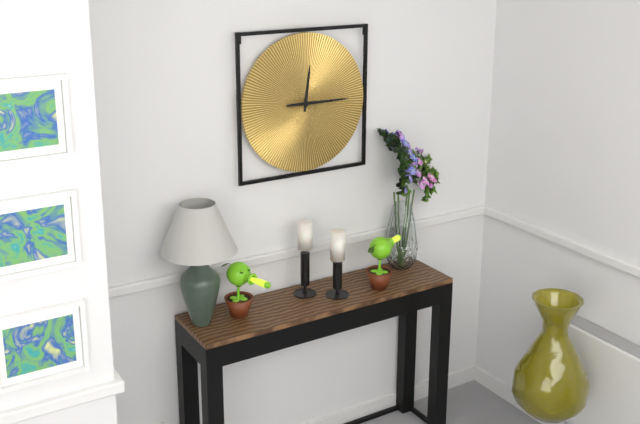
12:15
